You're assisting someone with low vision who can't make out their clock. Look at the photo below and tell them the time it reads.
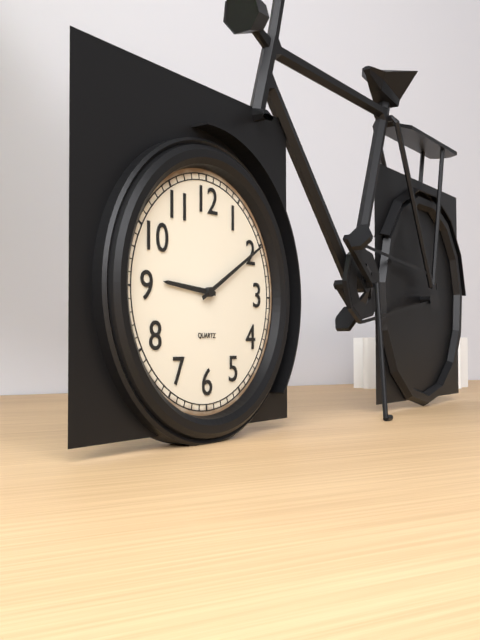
9:10
